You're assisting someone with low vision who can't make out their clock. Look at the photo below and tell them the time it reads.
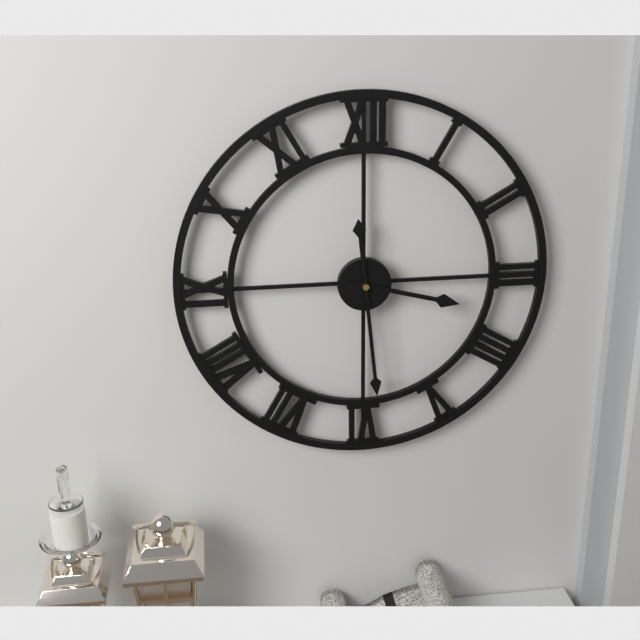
3:29
